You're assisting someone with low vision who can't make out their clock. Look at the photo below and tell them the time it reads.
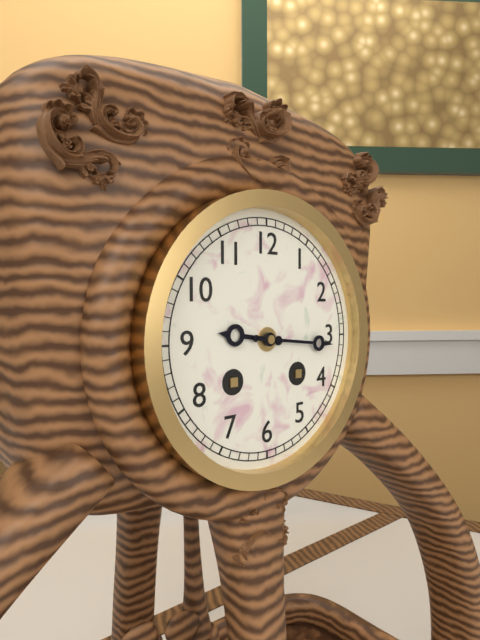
9:16
